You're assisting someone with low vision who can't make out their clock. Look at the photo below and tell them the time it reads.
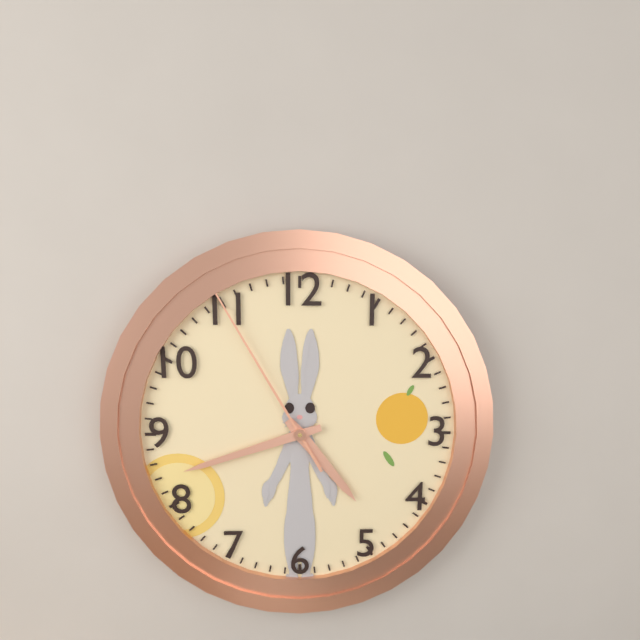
4:42:55
